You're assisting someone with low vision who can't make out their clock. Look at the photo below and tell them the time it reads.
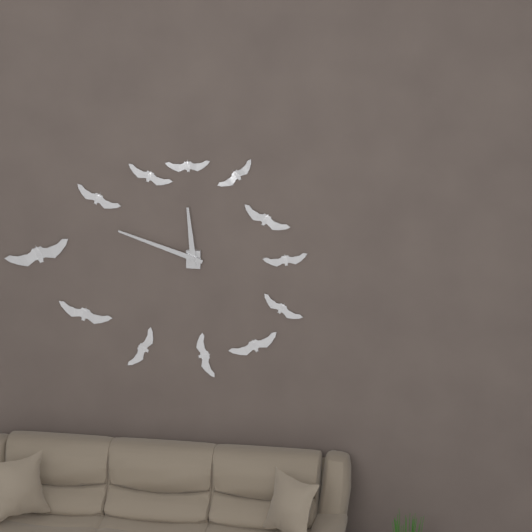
11:48
